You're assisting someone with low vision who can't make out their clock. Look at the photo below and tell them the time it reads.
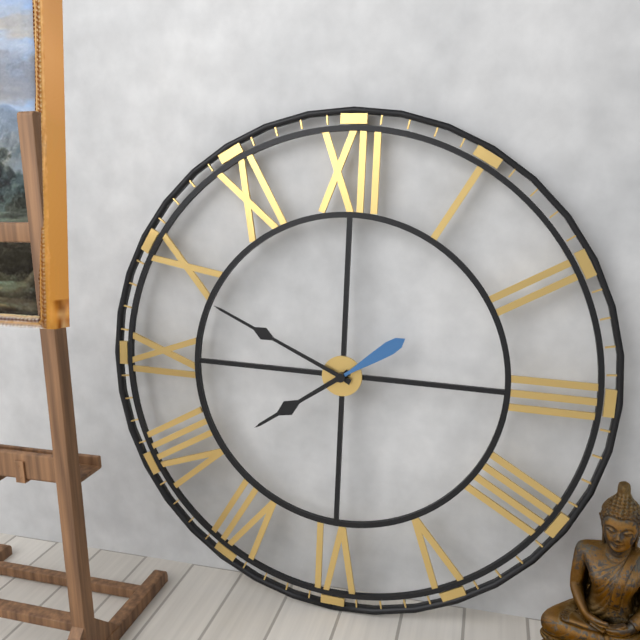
7:49:09
